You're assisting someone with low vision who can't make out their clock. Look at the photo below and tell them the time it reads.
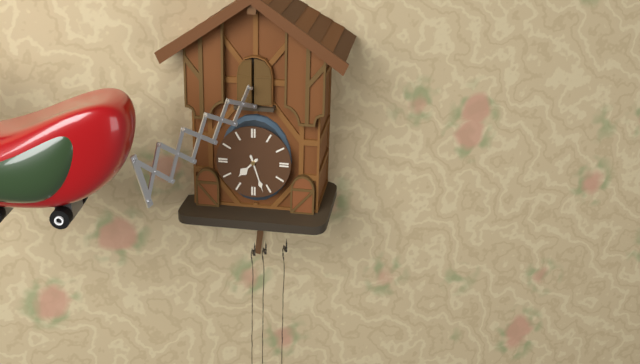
7:27
